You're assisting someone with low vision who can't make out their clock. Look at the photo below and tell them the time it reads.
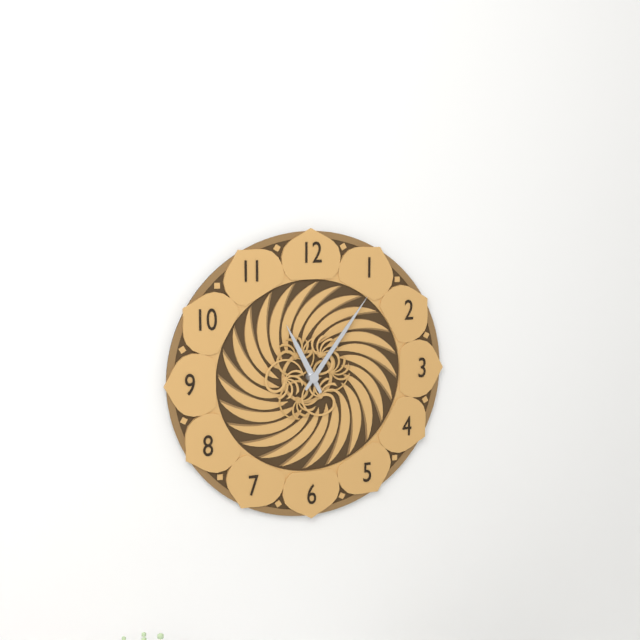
11:06
